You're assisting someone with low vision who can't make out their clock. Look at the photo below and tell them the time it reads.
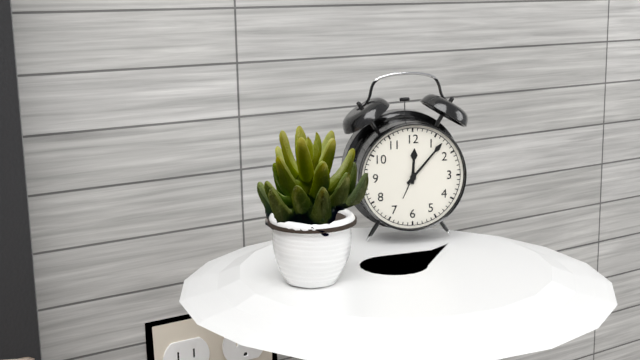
12:07
